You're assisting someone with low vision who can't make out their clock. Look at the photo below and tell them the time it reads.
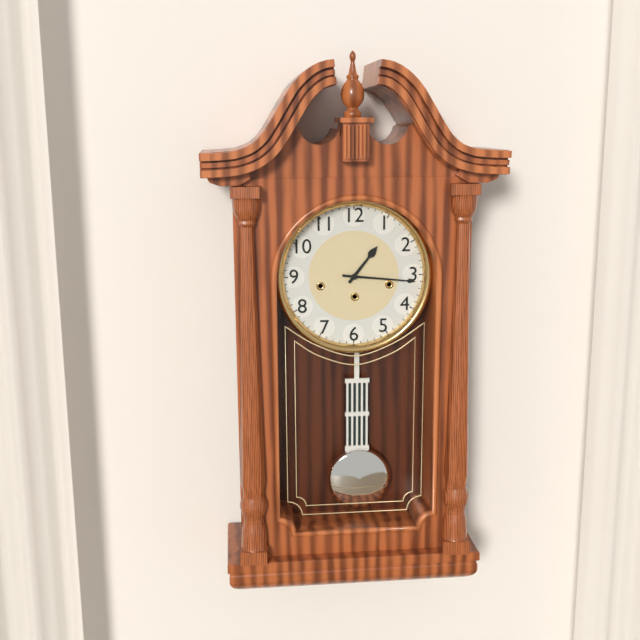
1:16
